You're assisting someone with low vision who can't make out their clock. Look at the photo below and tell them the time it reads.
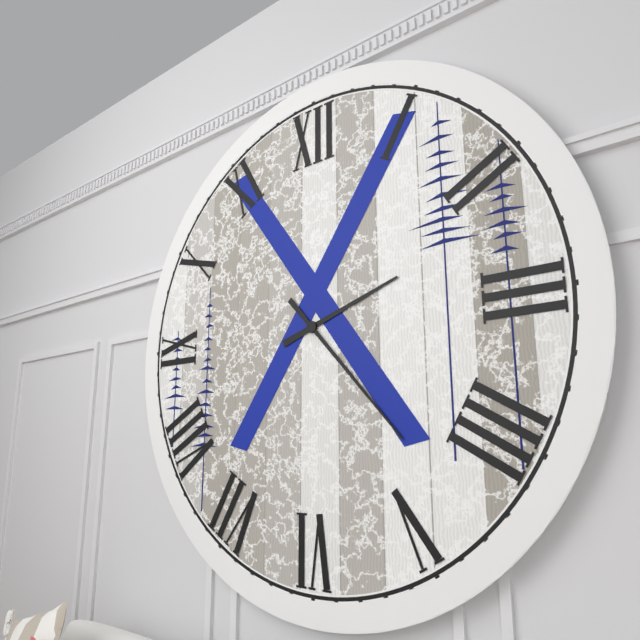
2:23
